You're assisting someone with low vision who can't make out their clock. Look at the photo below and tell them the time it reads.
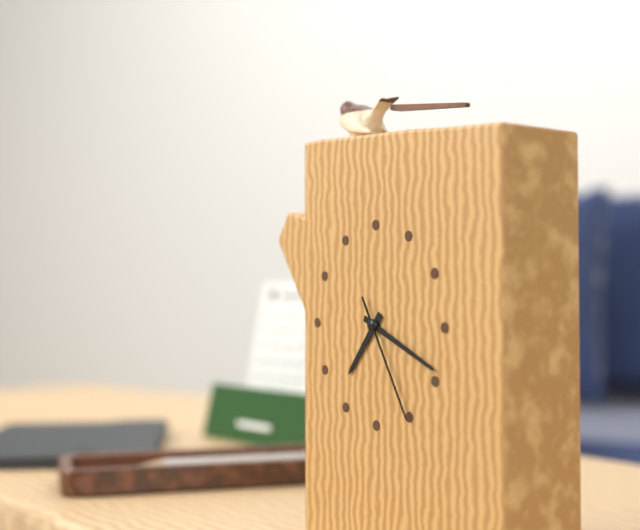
7:19:25
